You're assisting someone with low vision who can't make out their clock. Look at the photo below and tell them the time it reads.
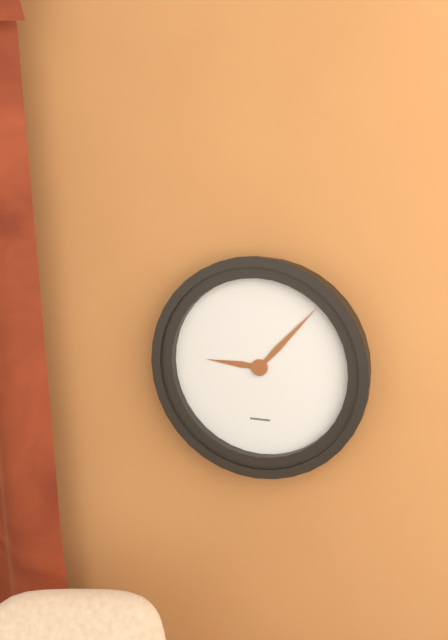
9:07
